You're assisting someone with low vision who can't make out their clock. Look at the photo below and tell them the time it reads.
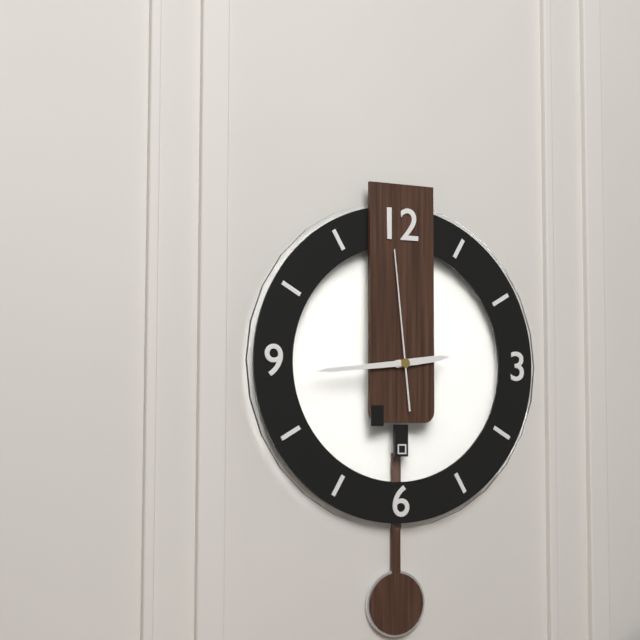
2:44:59
